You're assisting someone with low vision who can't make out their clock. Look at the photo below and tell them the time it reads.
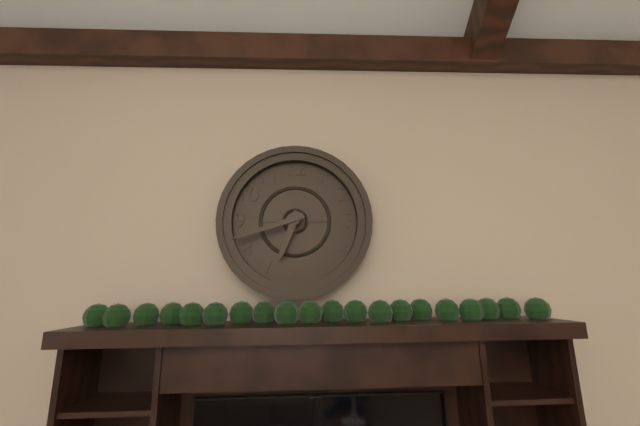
6:42
